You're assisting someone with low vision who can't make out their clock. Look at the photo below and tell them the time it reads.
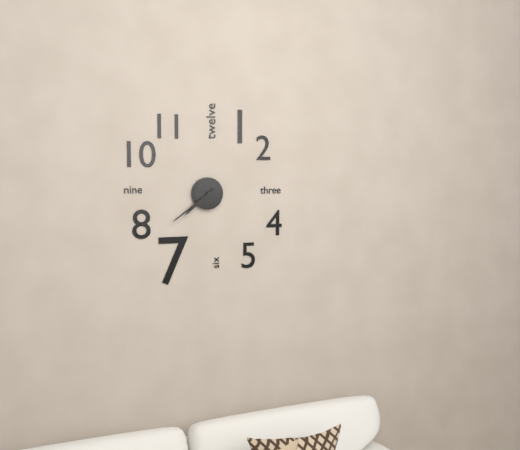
7:39
